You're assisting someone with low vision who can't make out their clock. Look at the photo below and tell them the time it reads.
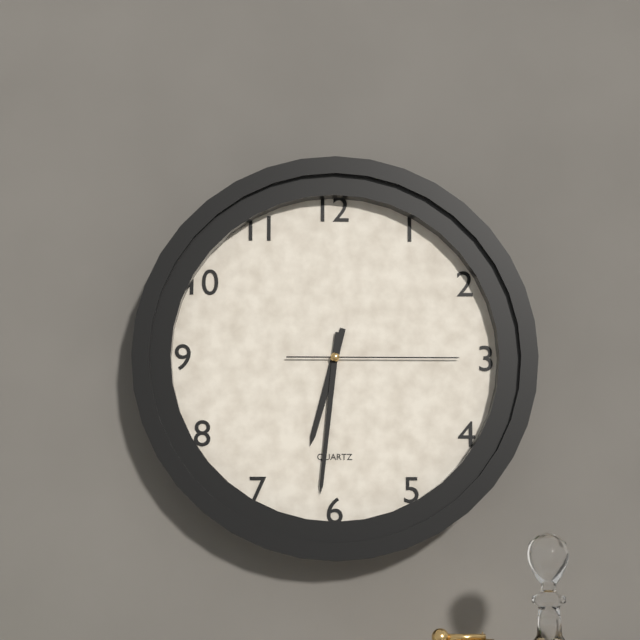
6:31:15
